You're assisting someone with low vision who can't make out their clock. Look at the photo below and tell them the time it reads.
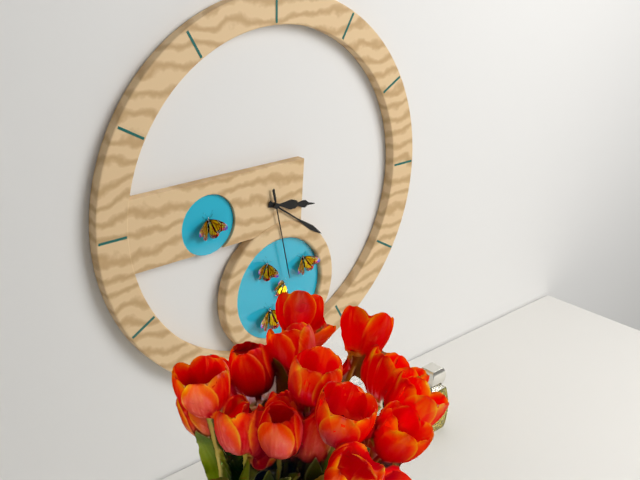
3:21:28
